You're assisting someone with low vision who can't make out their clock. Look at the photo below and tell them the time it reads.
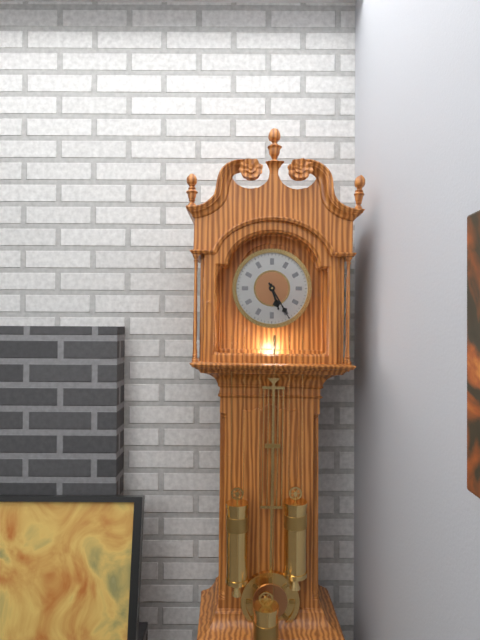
5:25
